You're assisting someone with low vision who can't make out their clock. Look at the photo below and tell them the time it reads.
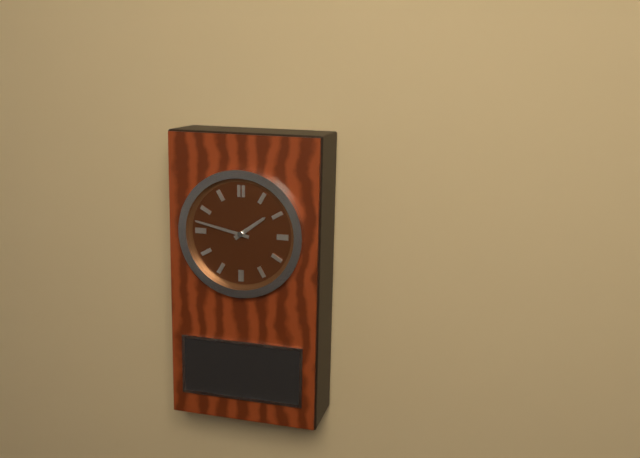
1:47
